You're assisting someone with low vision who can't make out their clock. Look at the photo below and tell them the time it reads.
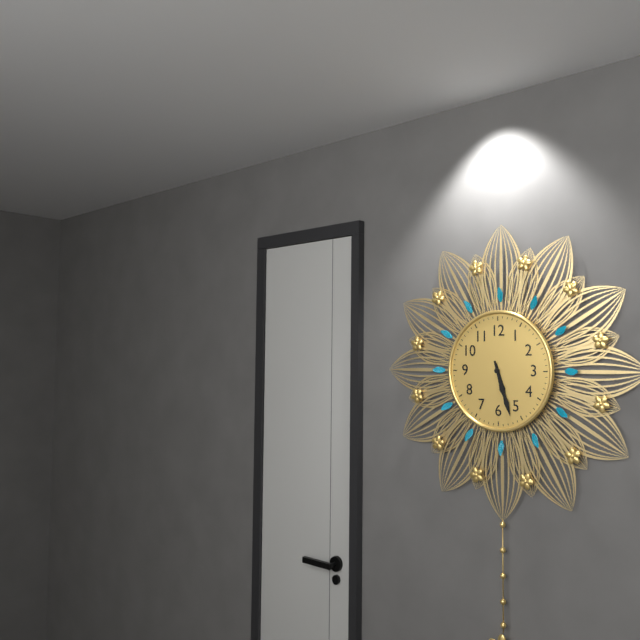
5:27
